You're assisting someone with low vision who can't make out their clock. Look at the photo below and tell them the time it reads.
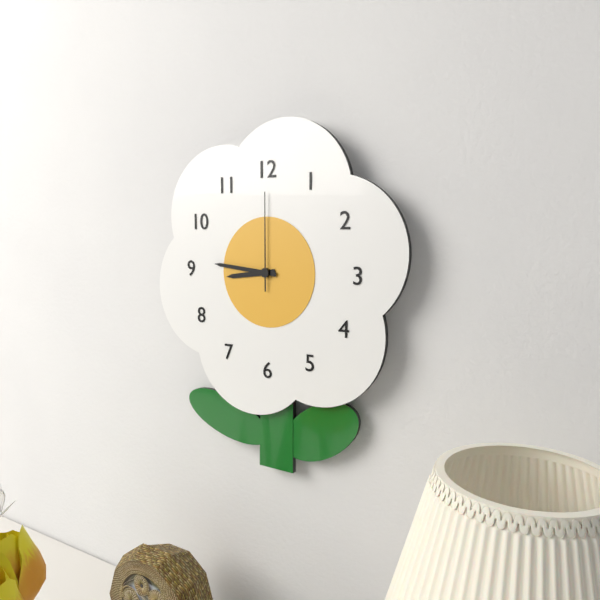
8:46:00
